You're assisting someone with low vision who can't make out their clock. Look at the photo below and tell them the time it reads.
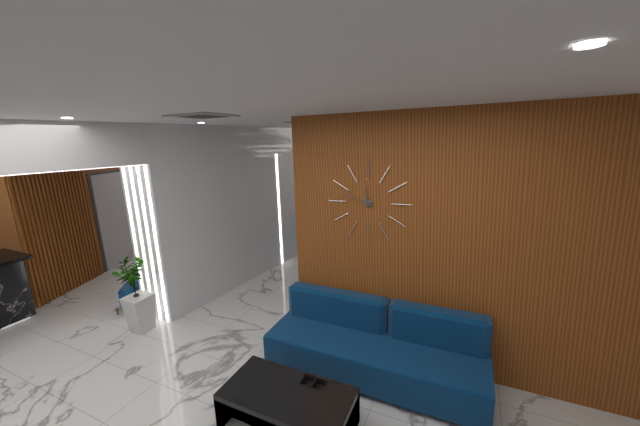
11:48
